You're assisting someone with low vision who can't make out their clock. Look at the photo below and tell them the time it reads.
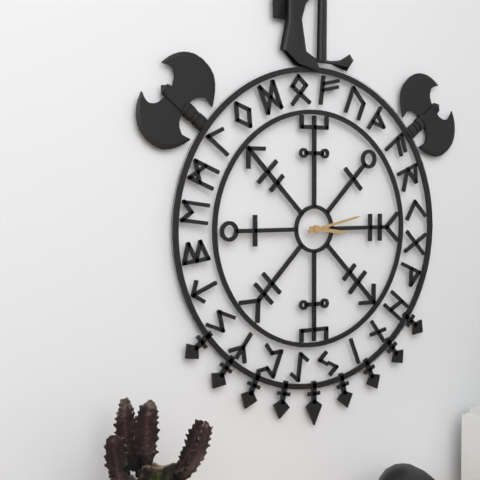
3:13
